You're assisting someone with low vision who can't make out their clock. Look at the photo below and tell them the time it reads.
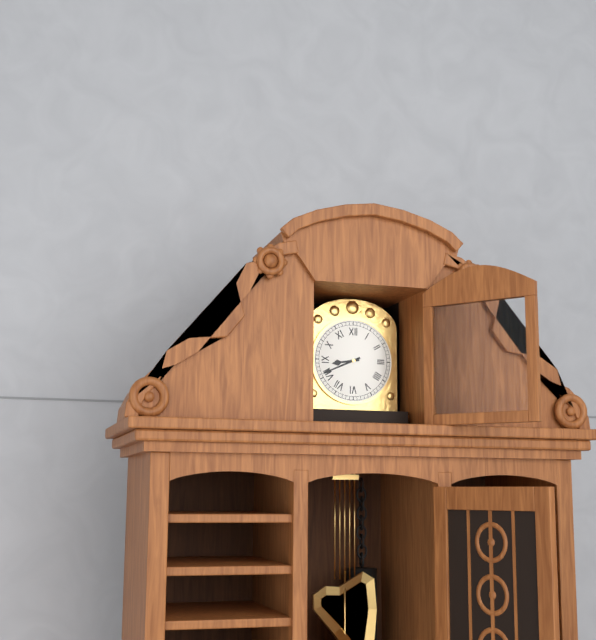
8:41
